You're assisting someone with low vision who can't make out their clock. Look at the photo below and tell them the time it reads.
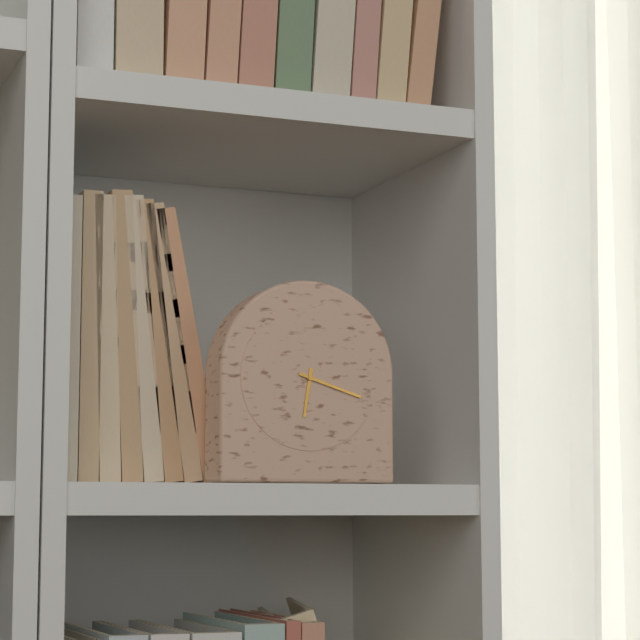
6:18
